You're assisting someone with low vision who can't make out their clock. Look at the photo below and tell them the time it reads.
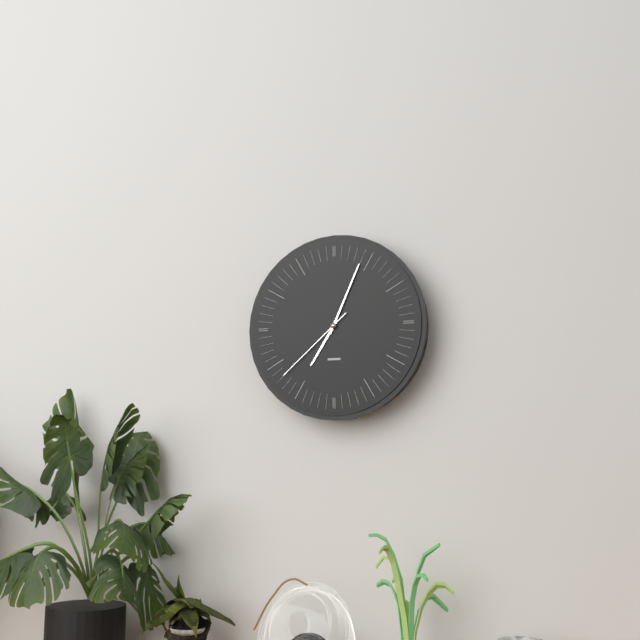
7:04:38
